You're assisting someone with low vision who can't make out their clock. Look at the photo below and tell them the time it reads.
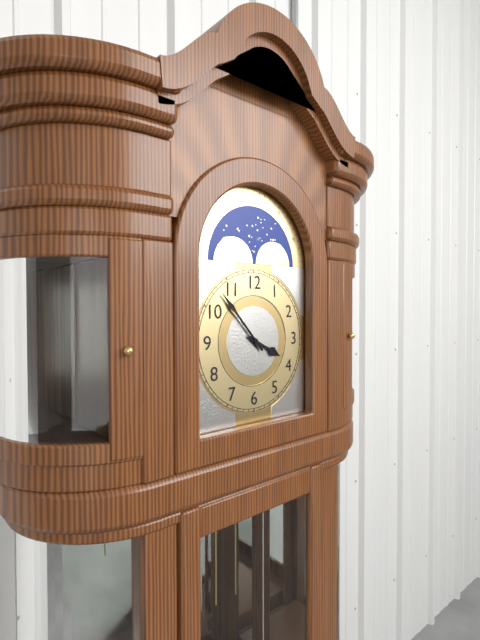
3:53
